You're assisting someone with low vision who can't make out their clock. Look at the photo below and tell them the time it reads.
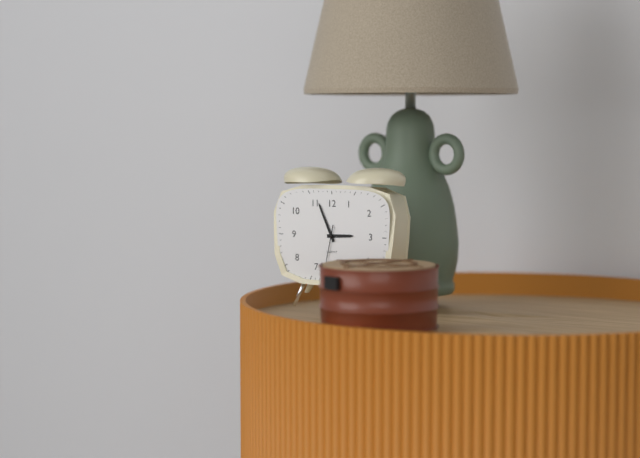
2:56
